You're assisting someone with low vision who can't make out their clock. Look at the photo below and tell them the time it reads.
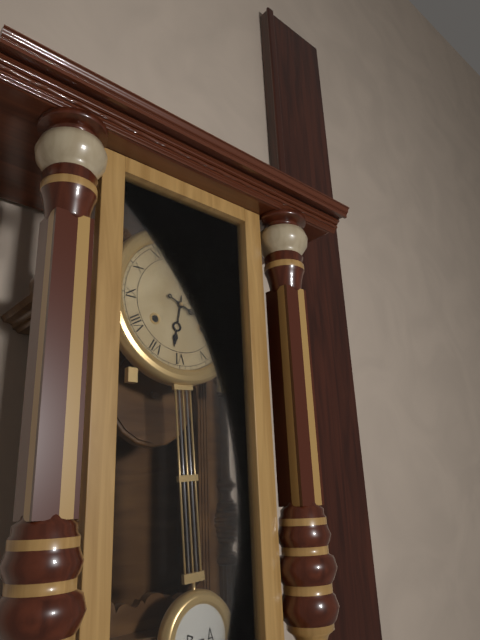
6:19
